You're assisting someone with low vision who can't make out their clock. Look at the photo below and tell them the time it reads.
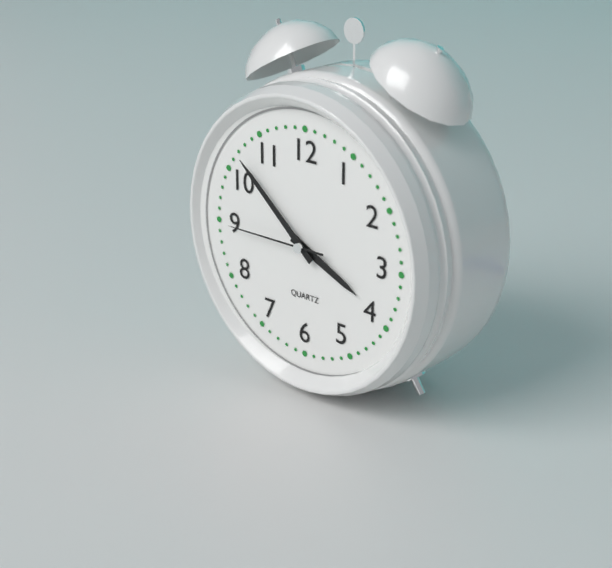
3:52:45
